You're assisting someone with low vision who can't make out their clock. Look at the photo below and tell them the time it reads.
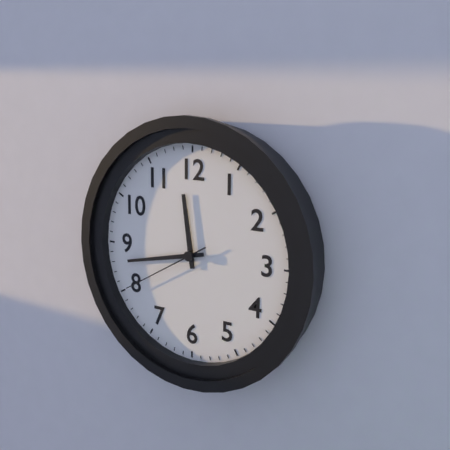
11:43:40
